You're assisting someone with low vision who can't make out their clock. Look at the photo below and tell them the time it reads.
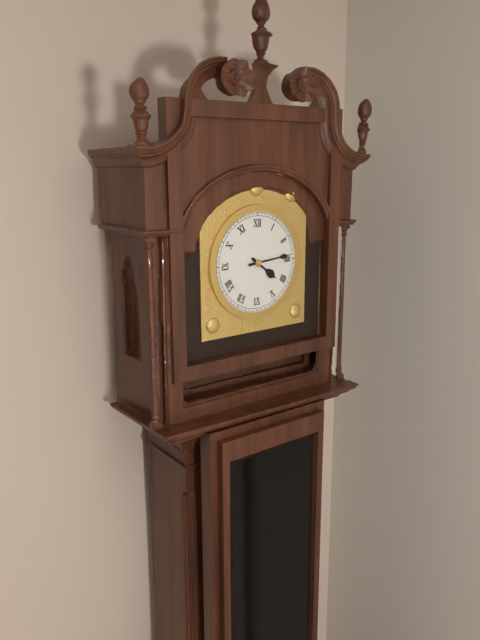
4:14
